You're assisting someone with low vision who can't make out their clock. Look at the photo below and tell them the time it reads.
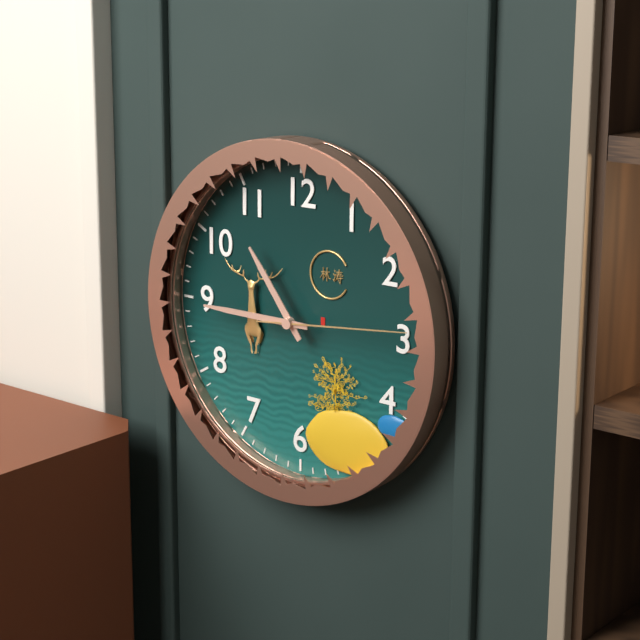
10:45:14
